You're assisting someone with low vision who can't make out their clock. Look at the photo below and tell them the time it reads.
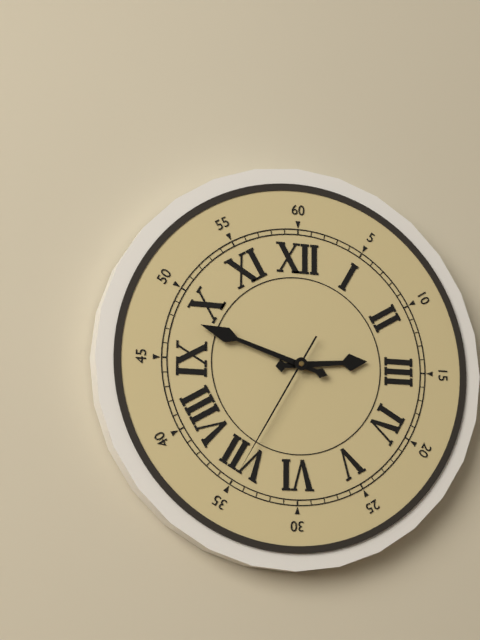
2:48:35
